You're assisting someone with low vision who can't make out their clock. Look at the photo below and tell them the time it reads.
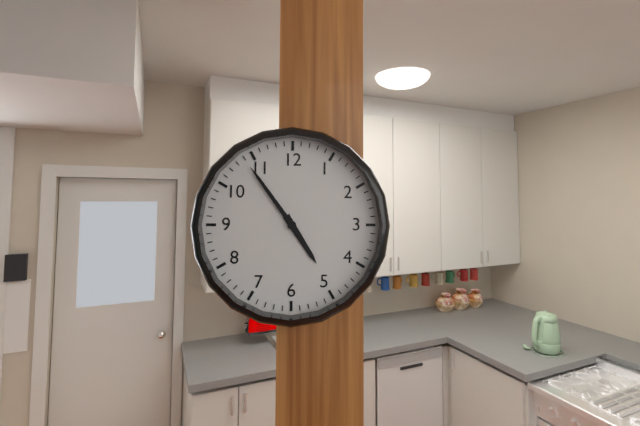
4:54
